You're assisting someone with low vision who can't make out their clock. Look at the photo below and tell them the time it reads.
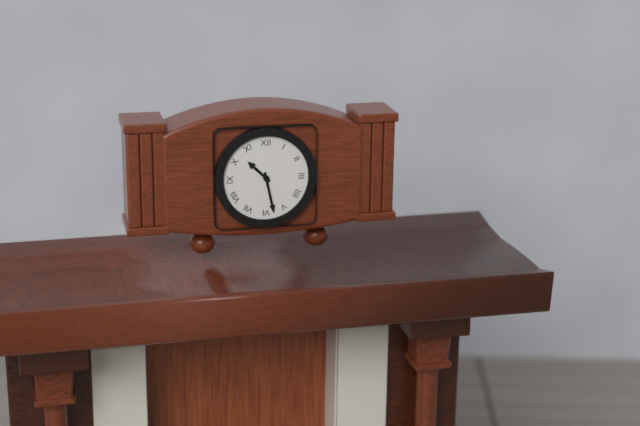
10:28
